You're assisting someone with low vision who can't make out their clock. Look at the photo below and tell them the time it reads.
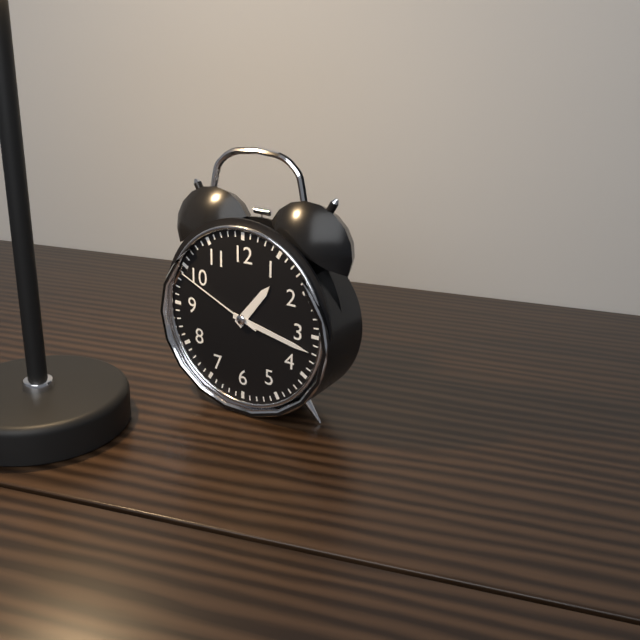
1:17:49
